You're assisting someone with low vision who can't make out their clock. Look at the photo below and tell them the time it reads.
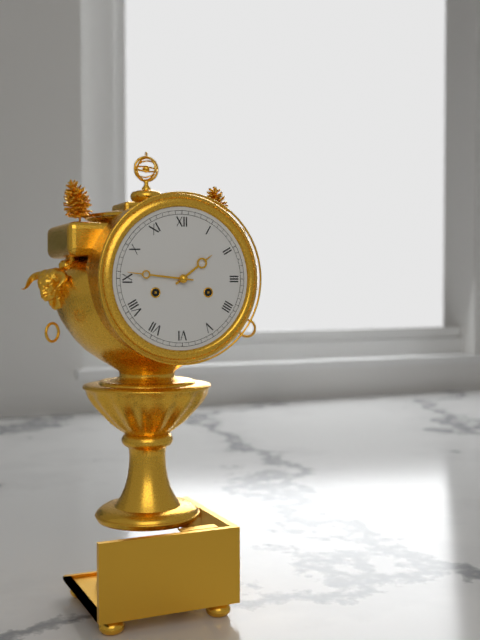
1:46
